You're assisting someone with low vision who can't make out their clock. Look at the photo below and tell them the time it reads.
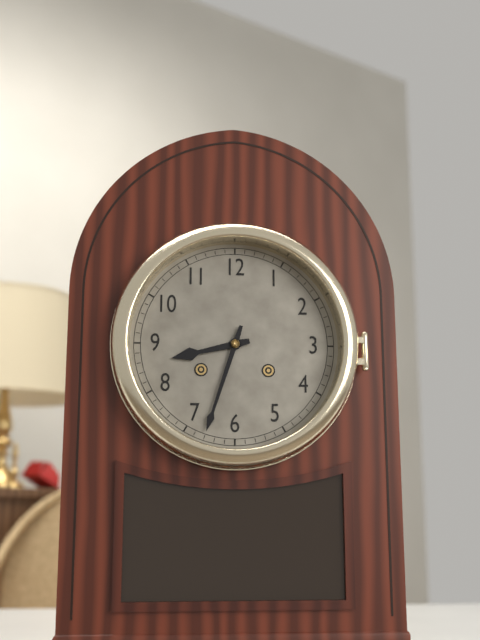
8:33
